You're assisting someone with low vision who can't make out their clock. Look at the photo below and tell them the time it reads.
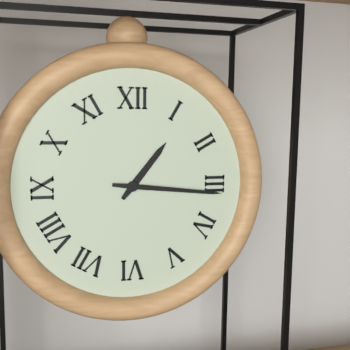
1:16
